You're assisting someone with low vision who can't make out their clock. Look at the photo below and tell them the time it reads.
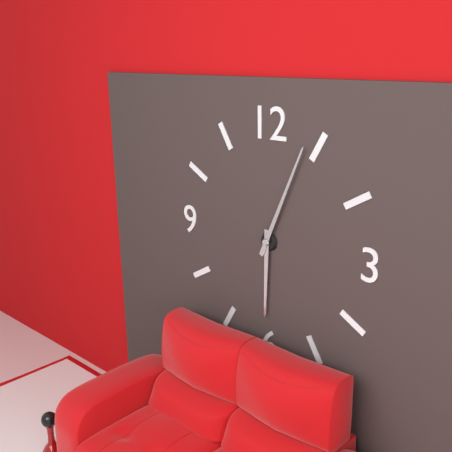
6:04
